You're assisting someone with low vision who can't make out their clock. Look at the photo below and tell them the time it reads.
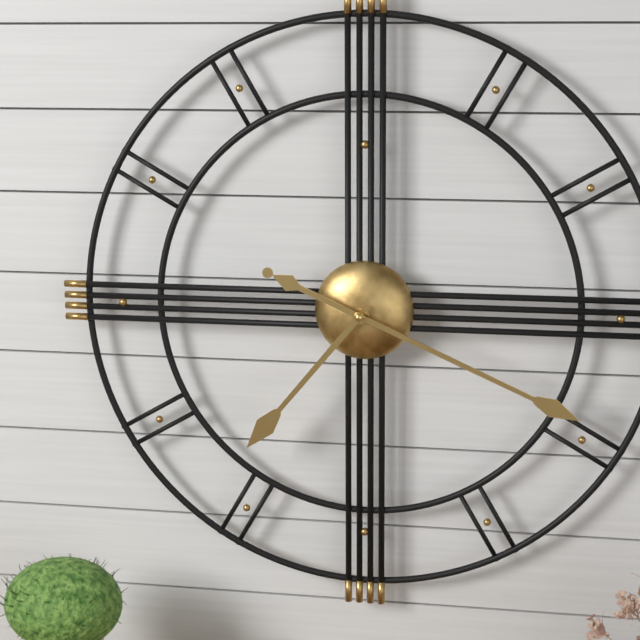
7:19
